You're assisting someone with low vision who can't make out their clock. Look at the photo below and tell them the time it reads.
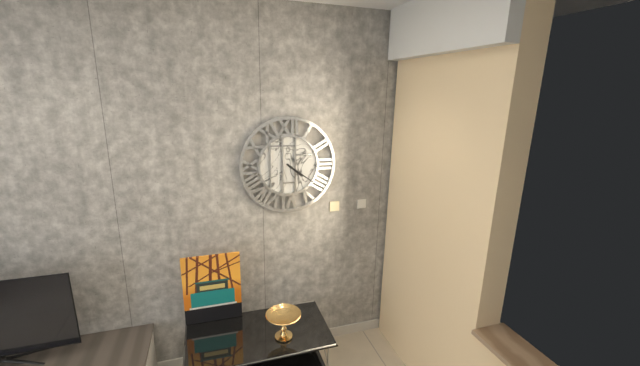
4:21
